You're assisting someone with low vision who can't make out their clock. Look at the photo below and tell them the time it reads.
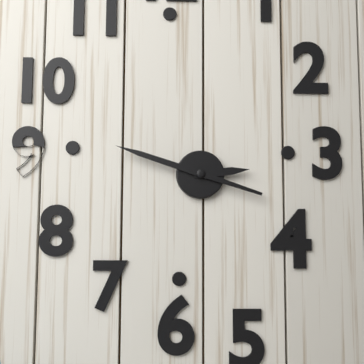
2:48
